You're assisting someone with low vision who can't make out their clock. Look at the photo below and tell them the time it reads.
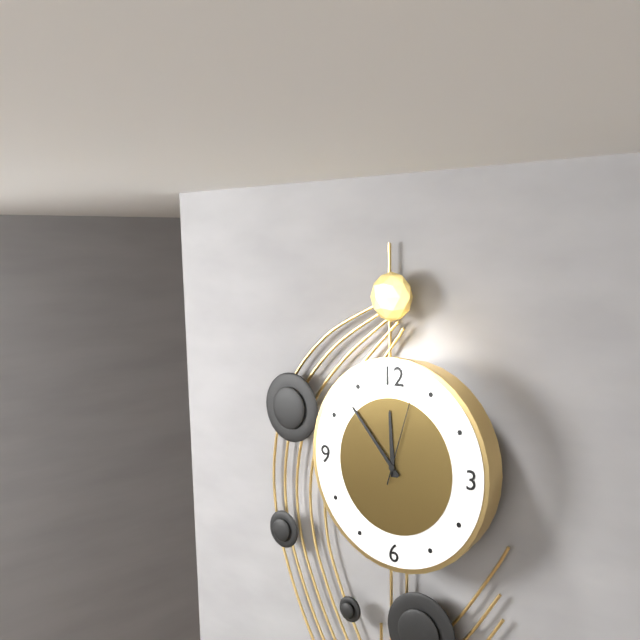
11:53:03
